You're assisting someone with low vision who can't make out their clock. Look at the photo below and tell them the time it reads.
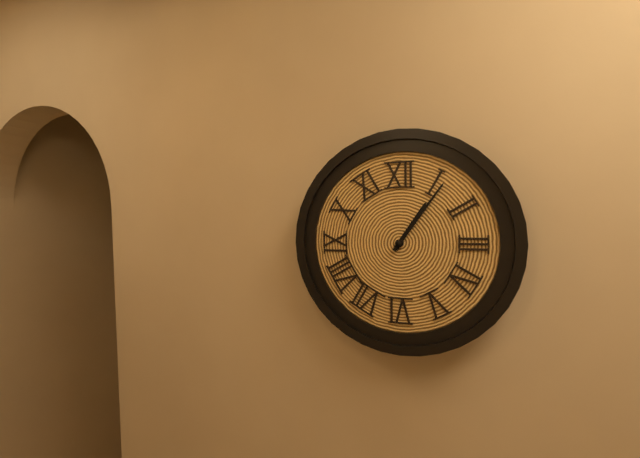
1:06
